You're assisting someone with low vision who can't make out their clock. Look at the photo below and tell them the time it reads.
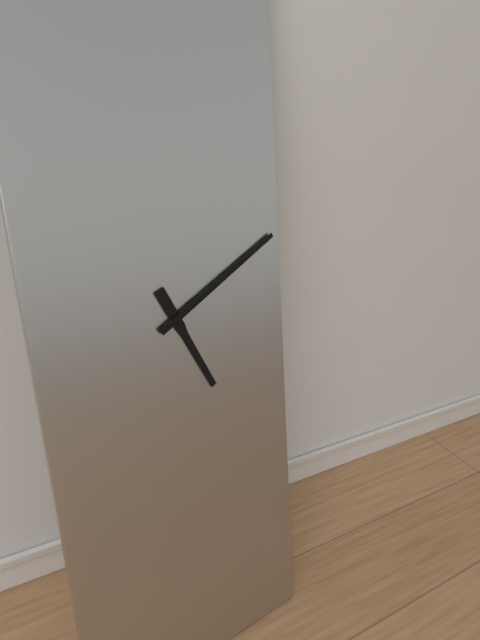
5:10
